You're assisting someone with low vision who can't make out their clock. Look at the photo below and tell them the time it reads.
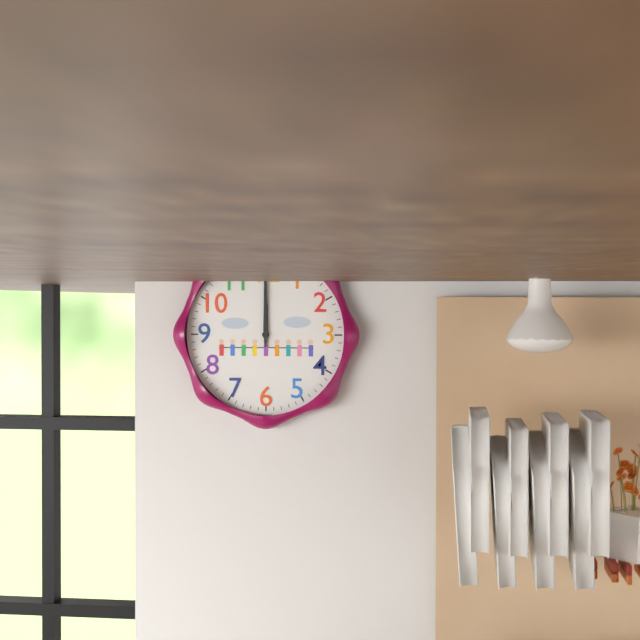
12:00
